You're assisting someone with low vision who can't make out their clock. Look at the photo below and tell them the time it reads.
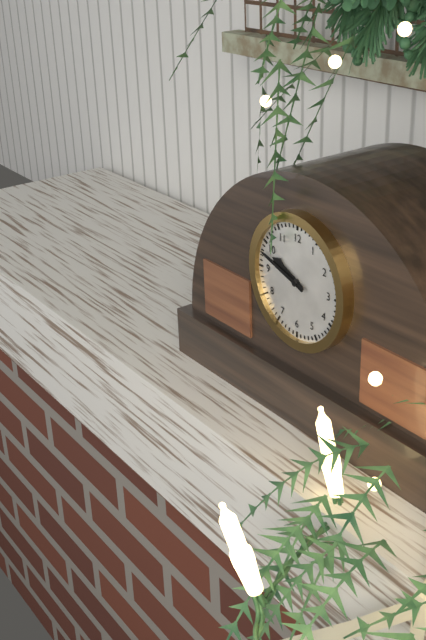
9:48
